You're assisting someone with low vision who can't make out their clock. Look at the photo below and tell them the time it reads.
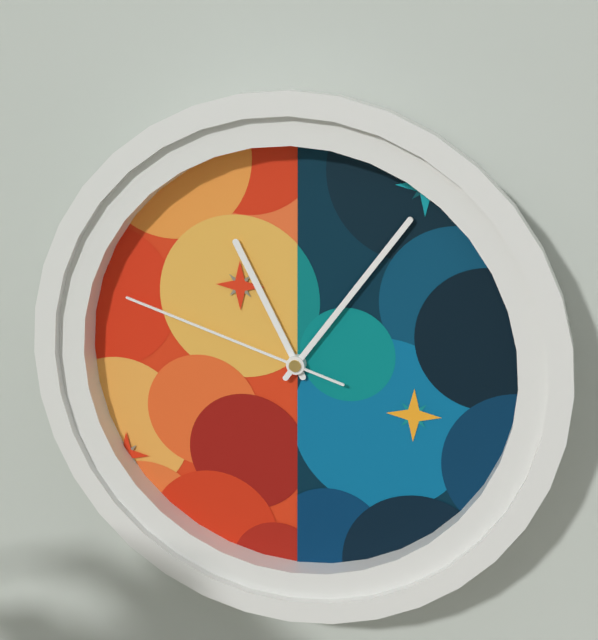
11:06:48
